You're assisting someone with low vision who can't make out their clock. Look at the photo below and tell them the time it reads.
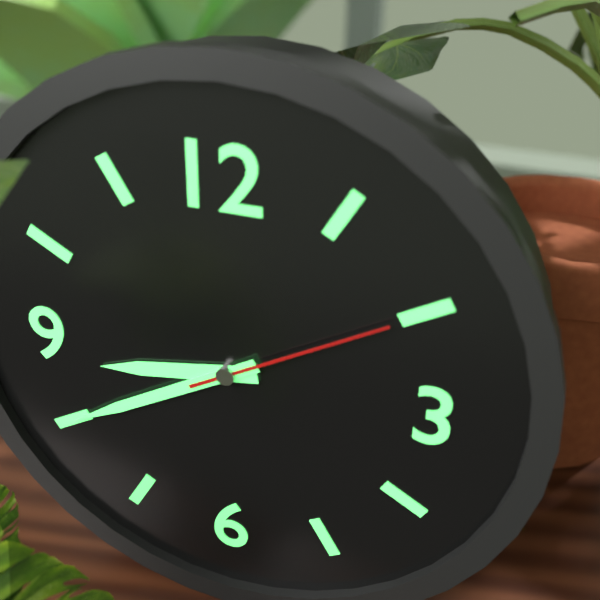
8:40:10
